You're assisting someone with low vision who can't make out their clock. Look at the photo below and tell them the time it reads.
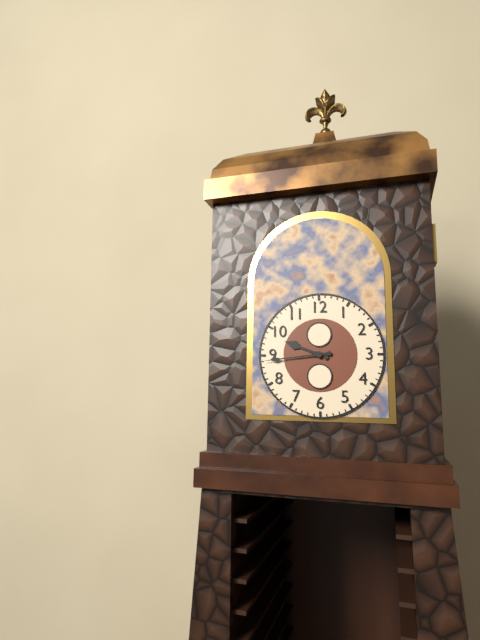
9:44
